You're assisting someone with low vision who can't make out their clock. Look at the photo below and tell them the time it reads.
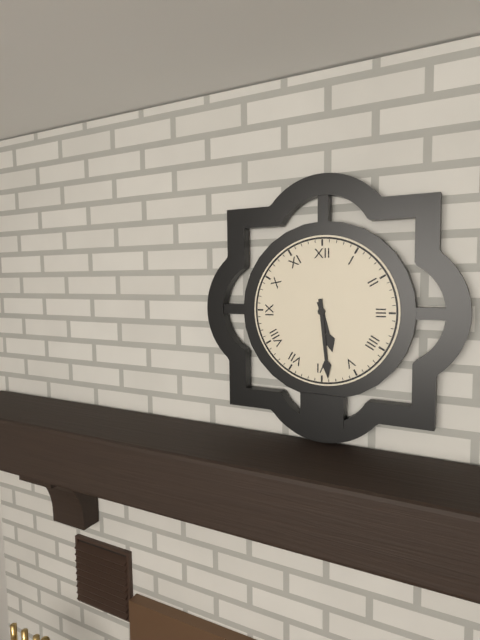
5:29
